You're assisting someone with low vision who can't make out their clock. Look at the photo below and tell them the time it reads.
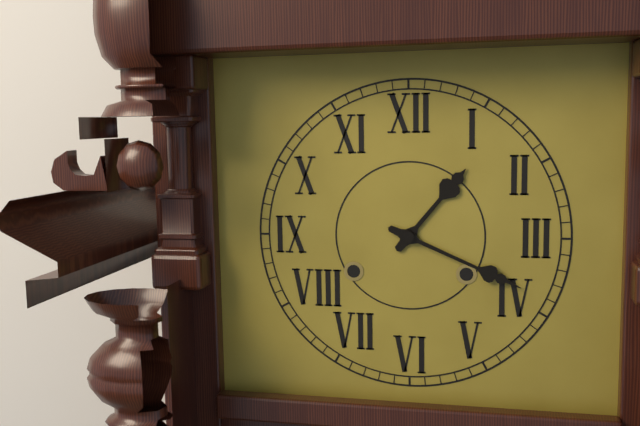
1:19
